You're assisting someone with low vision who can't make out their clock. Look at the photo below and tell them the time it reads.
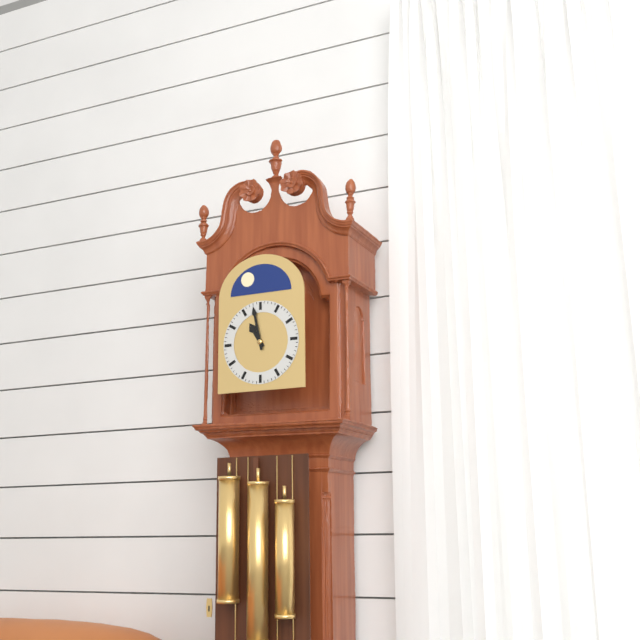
10:58
